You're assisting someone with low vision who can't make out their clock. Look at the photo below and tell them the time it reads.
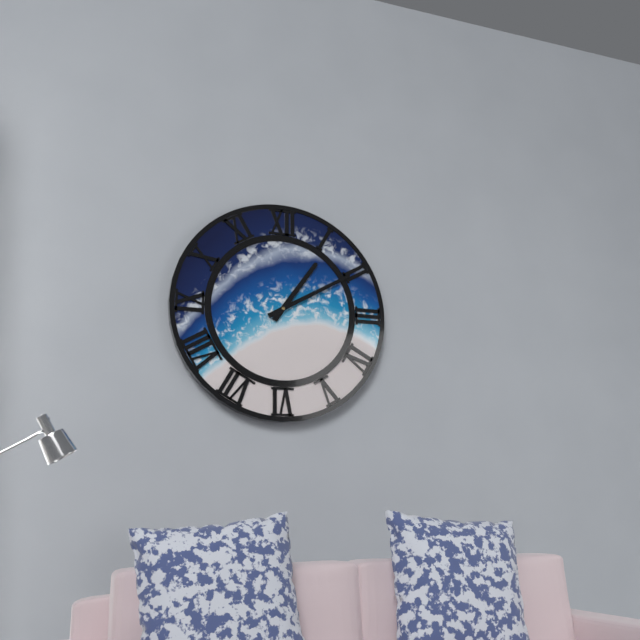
1:10
